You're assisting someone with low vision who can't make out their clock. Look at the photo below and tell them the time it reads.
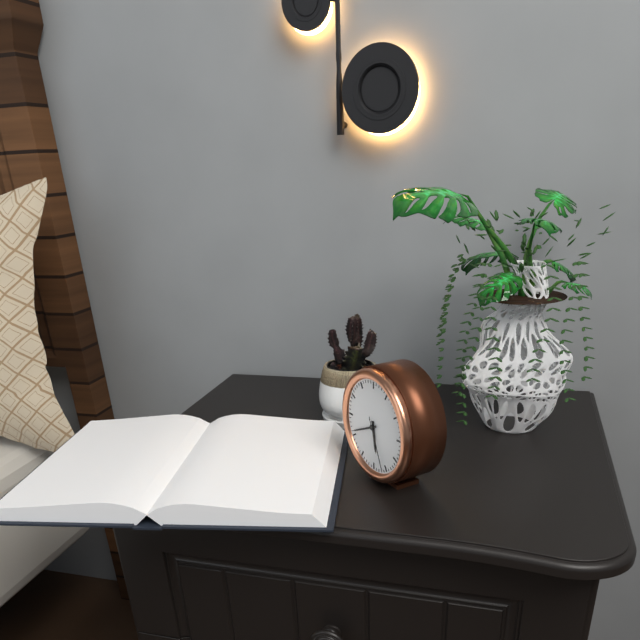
5:41:26
